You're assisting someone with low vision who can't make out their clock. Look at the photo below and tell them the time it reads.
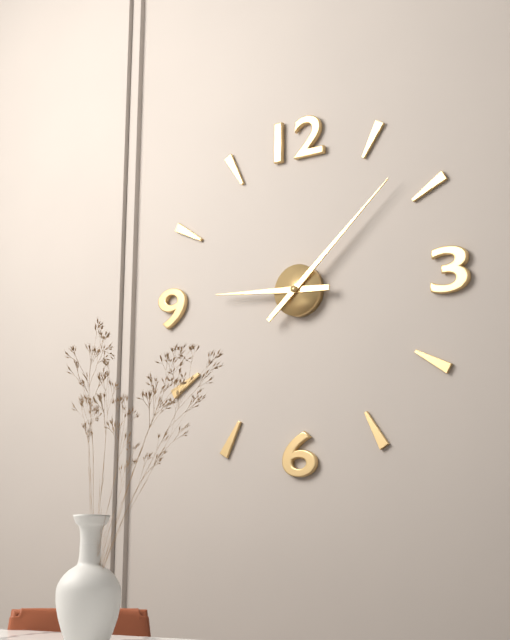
9:08
